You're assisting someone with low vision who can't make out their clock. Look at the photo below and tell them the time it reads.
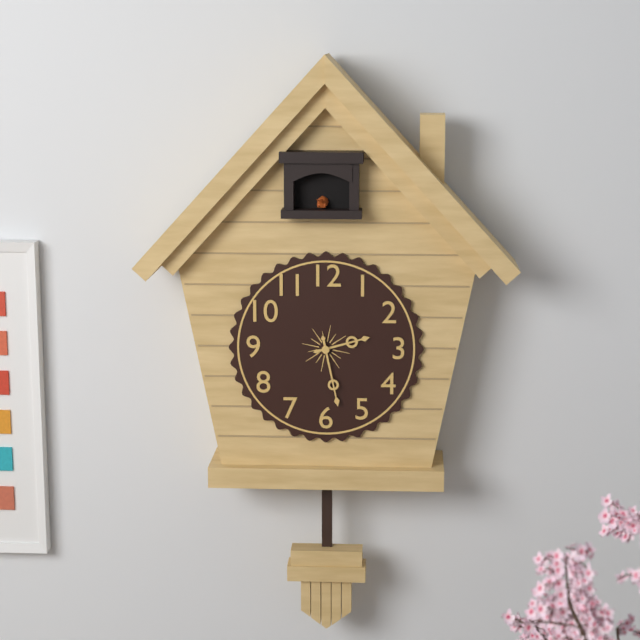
2:28
